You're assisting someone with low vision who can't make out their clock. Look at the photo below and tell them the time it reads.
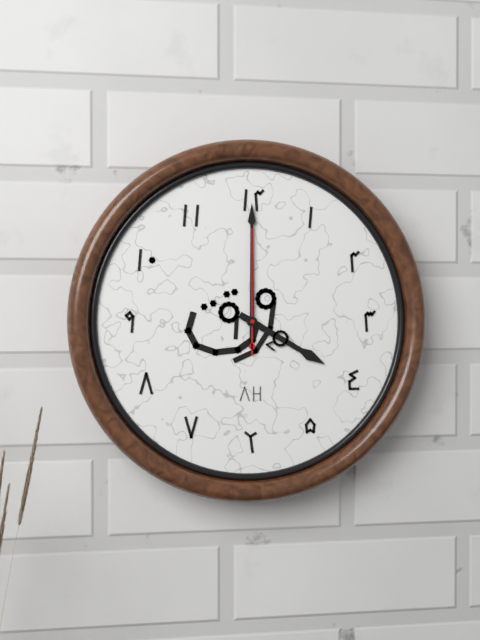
4:00:00
